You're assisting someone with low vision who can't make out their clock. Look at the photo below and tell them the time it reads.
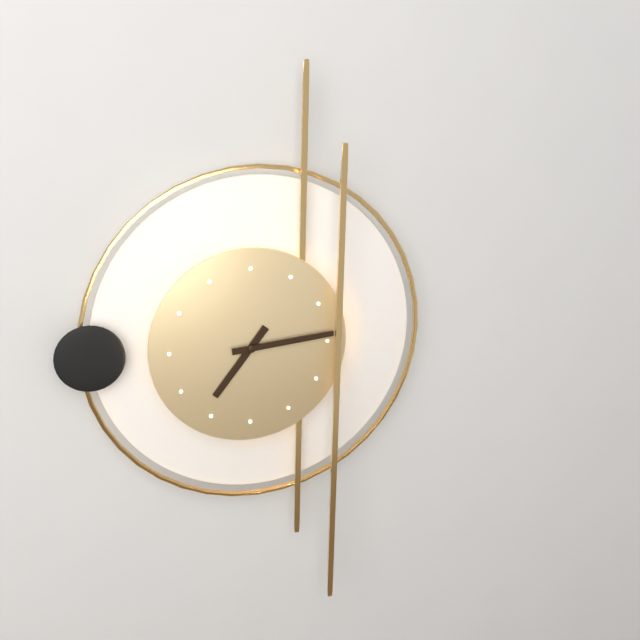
7:14
